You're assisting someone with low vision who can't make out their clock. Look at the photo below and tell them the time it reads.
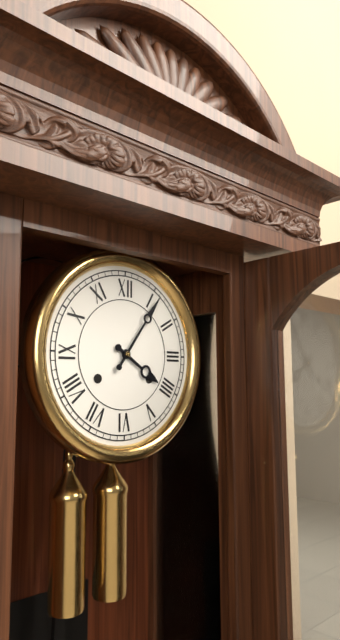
4:06
